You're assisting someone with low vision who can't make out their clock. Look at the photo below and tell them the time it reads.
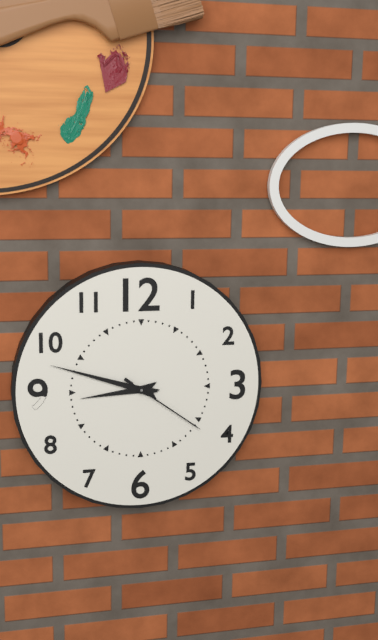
8:48:21
